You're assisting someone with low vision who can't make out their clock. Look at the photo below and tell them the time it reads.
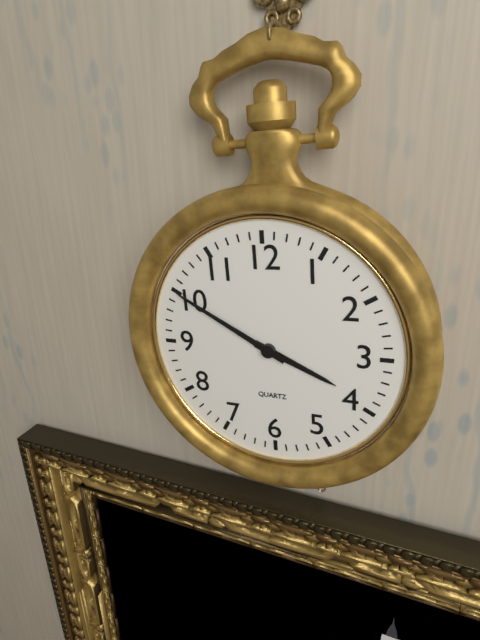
3:50
